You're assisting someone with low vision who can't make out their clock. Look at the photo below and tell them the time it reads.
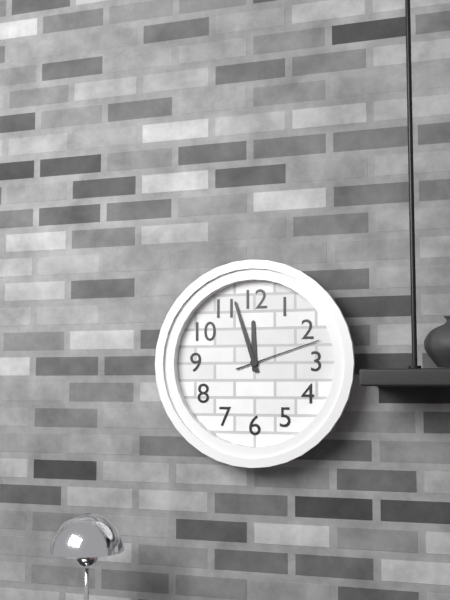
11:57:12
